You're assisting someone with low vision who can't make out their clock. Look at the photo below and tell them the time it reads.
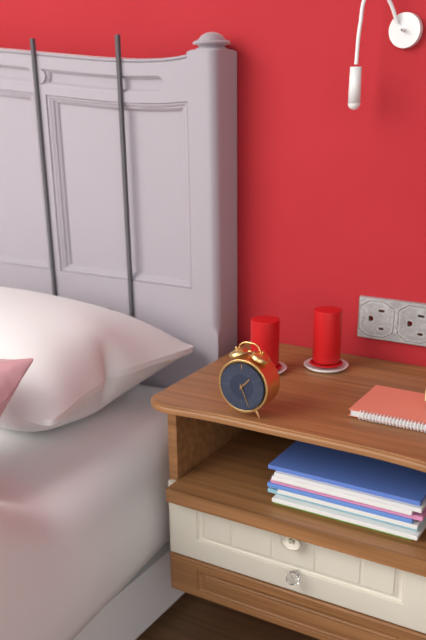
1:26
